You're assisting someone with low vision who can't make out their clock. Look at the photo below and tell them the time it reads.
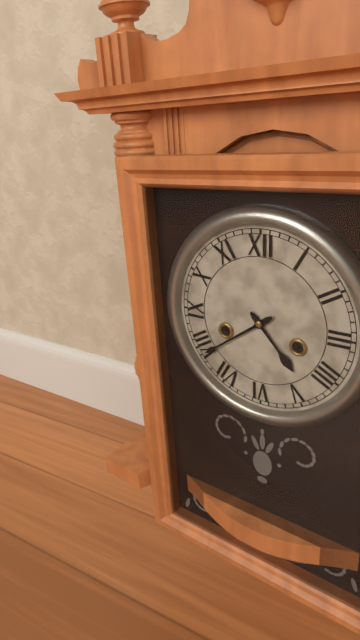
4:39
